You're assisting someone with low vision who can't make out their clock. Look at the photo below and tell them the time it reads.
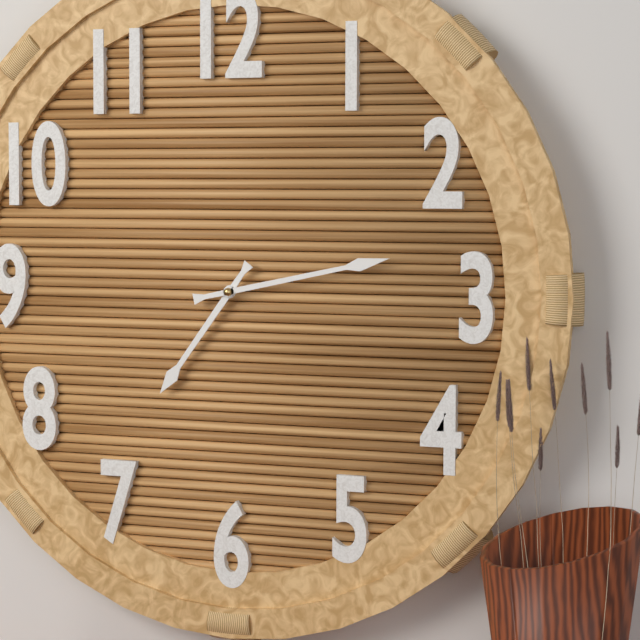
7:13
